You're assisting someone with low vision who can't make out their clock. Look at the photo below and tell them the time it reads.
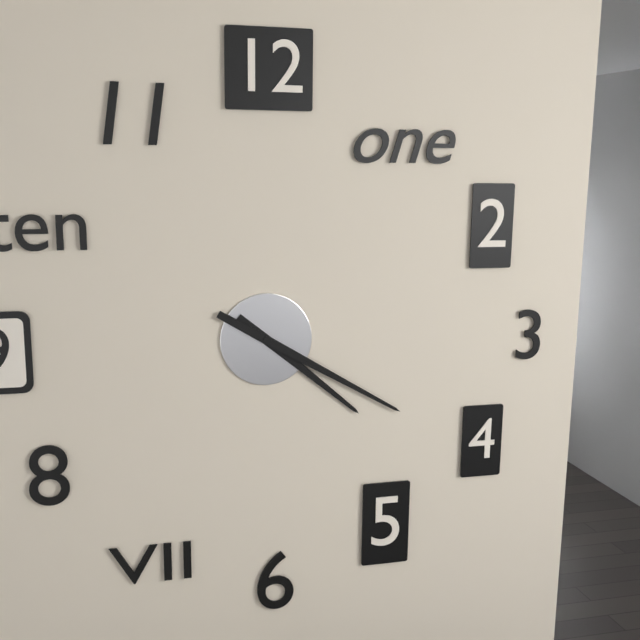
4:20
